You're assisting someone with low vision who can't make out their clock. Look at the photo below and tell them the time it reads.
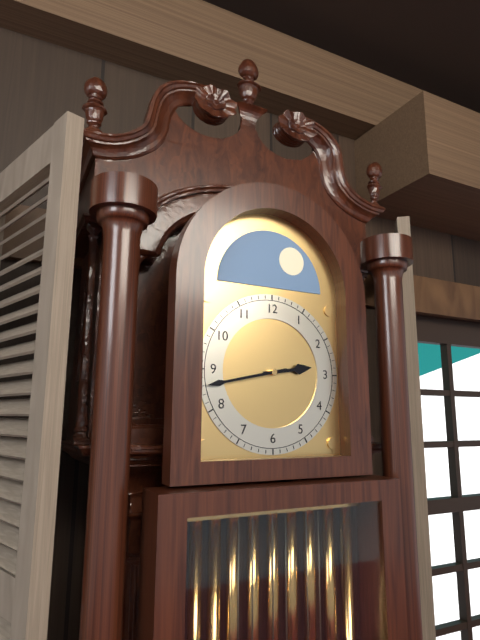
2:43
